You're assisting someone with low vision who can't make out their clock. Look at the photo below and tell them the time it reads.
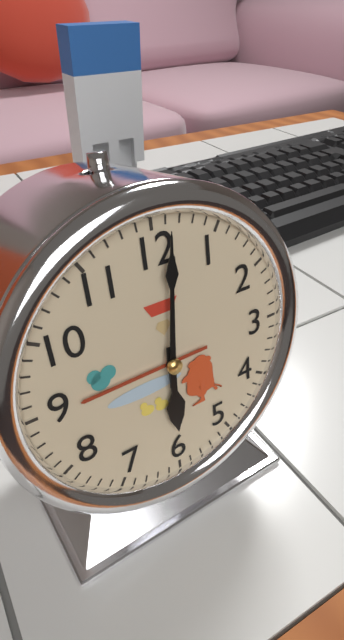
6:01
